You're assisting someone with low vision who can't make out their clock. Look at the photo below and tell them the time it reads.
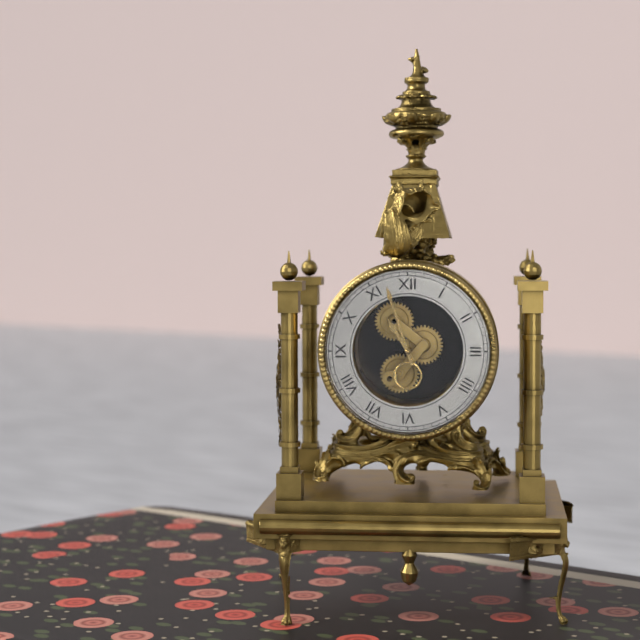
10:57
